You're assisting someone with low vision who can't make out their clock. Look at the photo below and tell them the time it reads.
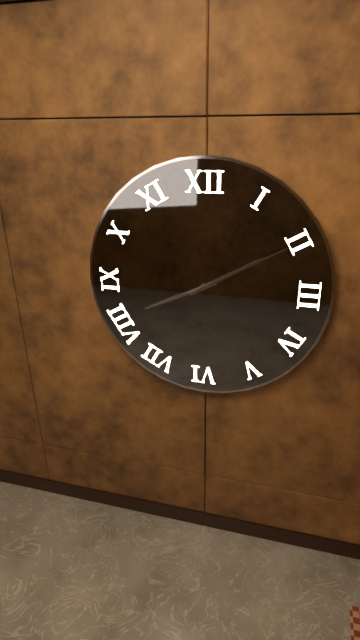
8:10
